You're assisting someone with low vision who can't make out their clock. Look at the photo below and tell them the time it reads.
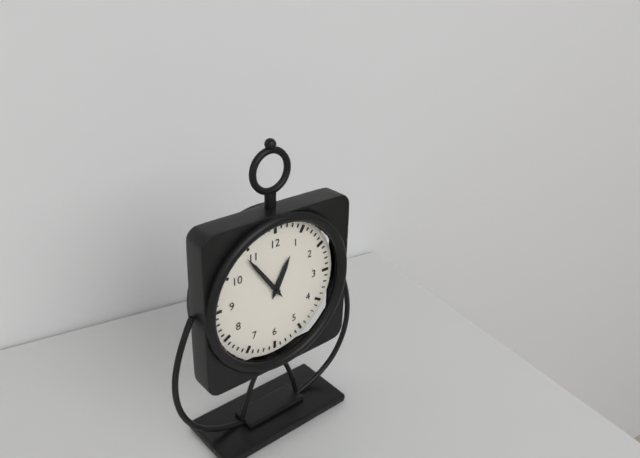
12:54
